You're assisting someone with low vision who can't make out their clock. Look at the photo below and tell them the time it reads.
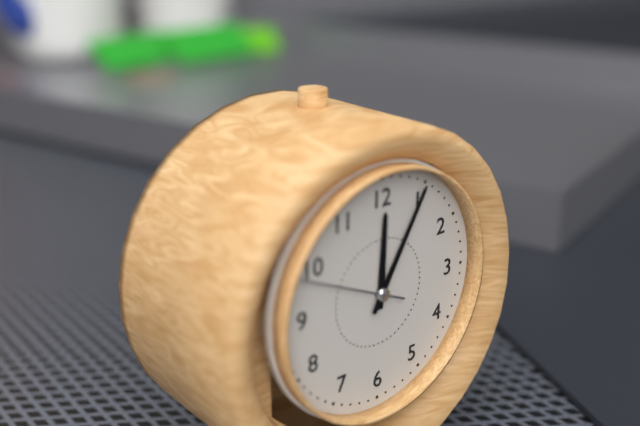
12:05
